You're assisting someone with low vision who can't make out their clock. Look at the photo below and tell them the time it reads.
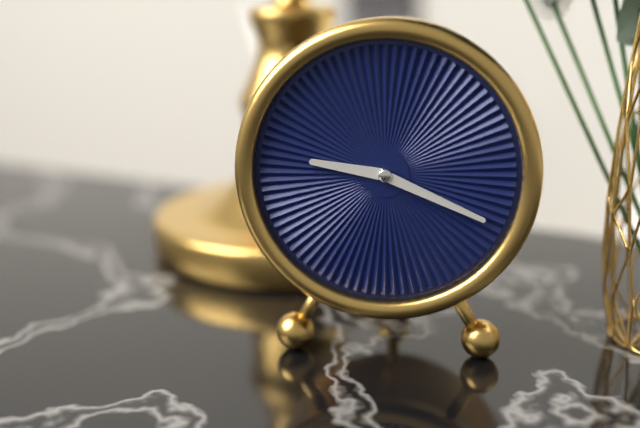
9:19
